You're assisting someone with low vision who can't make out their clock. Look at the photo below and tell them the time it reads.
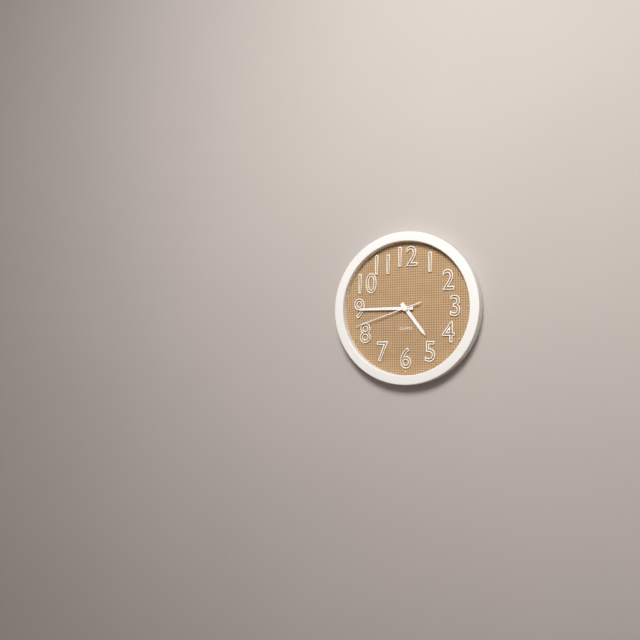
4:45:42
